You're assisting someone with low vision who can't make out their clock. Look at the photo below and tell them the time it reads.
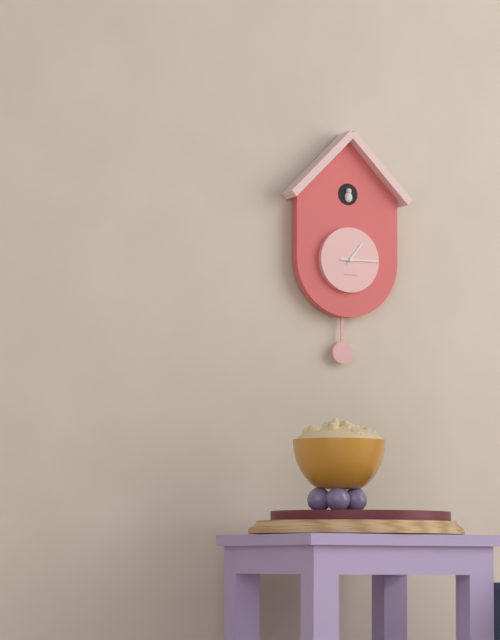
1:15
